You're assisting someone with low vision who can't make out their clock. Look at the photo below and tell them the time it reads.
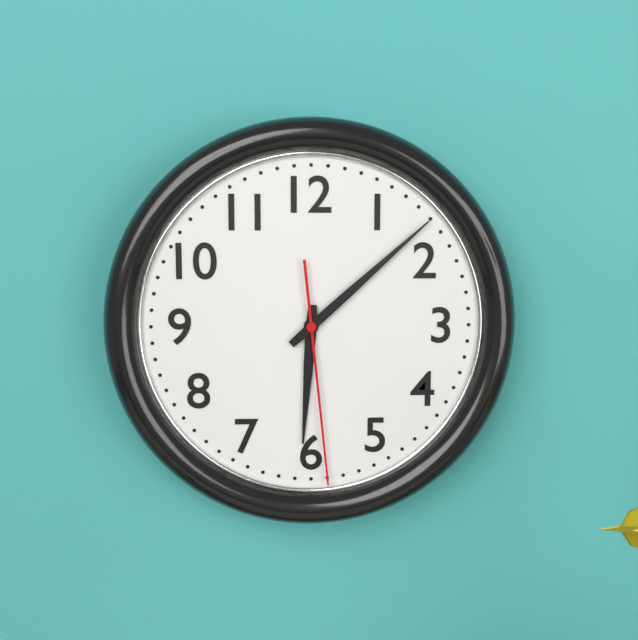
6:08:29
